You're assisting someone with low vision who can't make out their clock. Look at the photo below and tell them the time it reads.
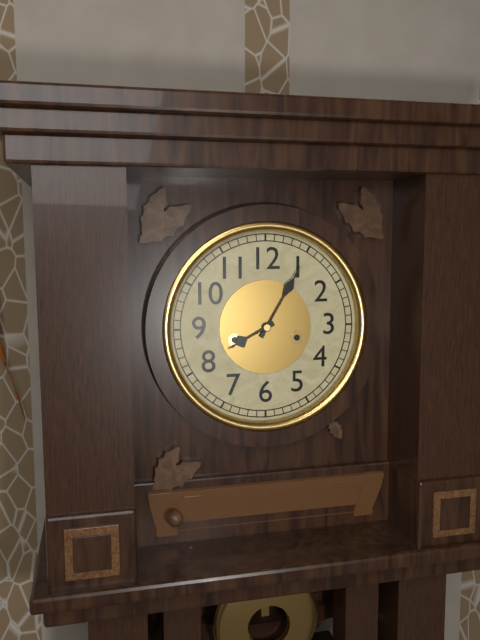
8:05
